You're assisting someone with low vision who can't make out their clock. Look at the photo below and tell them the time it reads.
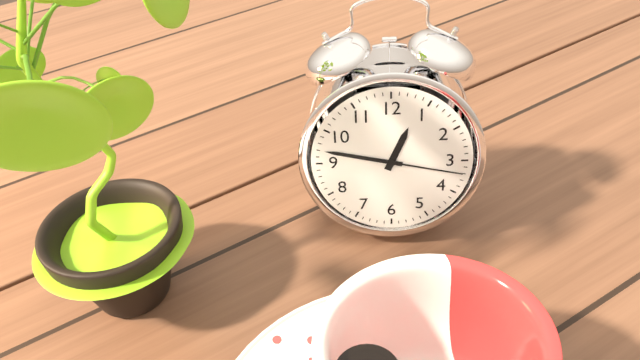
12:47:17
